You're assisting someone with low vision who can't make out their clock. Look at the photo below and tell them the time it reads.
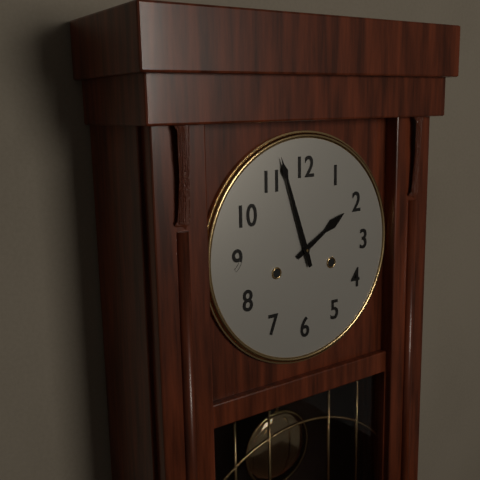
1:57
